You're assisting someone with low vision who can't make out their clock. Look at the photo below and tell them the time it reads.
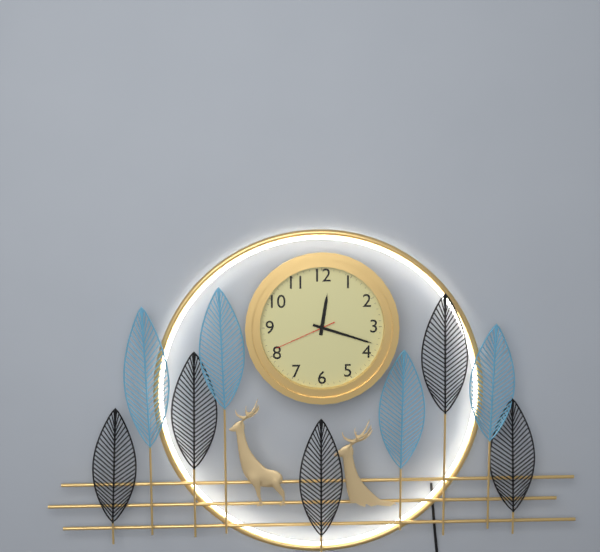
12:18:41
